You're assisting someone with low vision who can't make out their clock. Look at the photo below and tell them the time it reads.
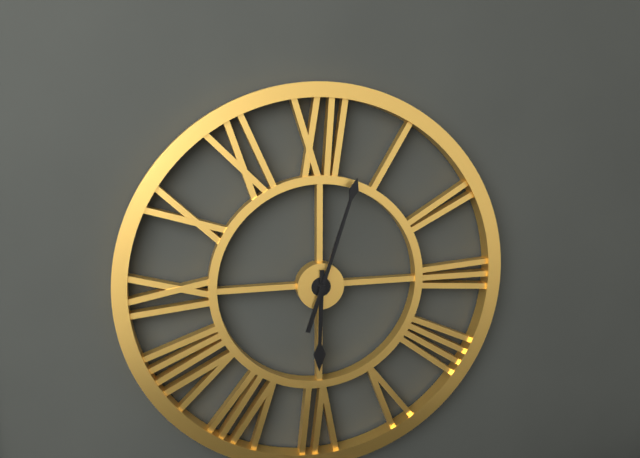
6:03
